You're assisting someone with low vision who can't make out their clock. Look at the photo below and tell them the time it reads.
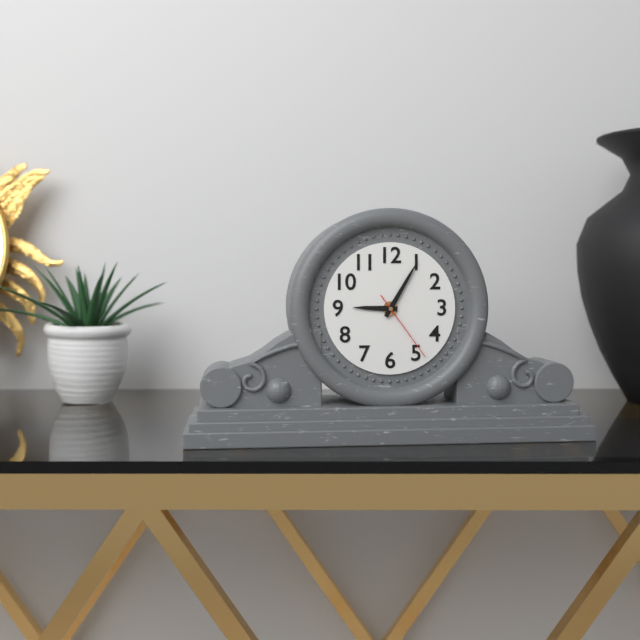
9:05:24
